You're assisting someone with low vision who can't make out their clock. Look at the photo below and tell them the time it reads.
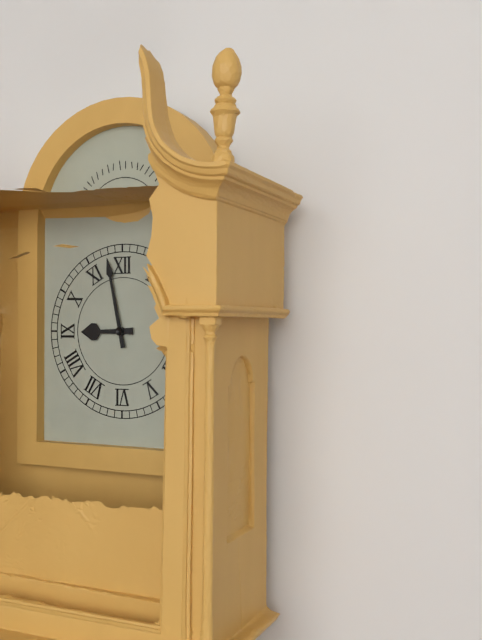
8:58
